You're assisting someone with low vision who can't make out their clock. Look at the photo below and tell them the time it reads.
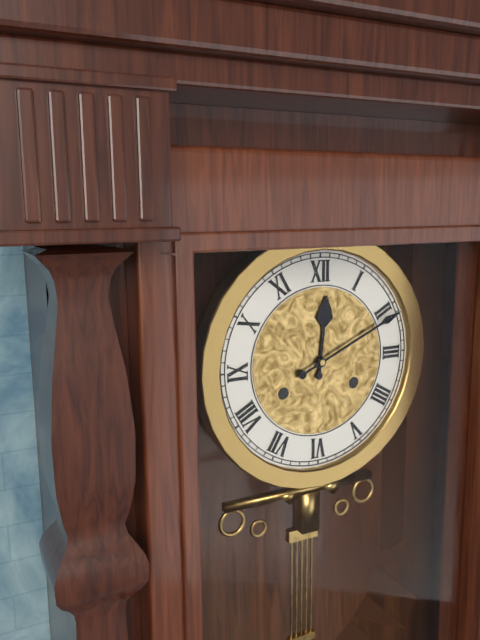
12:11
